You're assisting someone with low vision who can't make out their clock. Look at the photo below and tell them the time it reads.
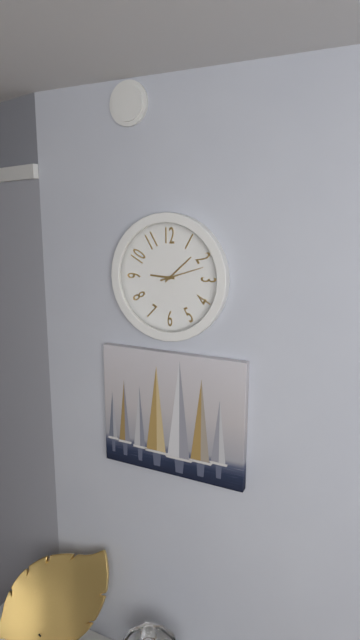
9:08
